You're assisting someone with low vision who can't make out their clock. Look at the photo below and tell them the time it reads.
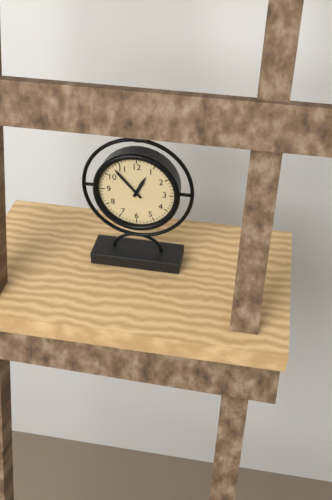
12:53
